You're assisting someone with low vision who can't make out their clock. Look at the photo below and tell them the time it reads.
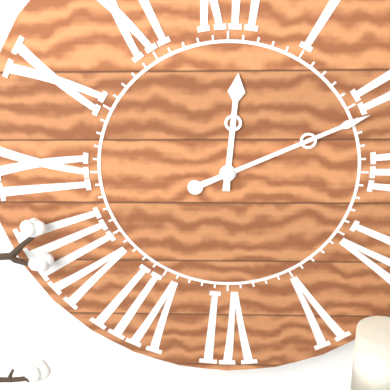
12:11
